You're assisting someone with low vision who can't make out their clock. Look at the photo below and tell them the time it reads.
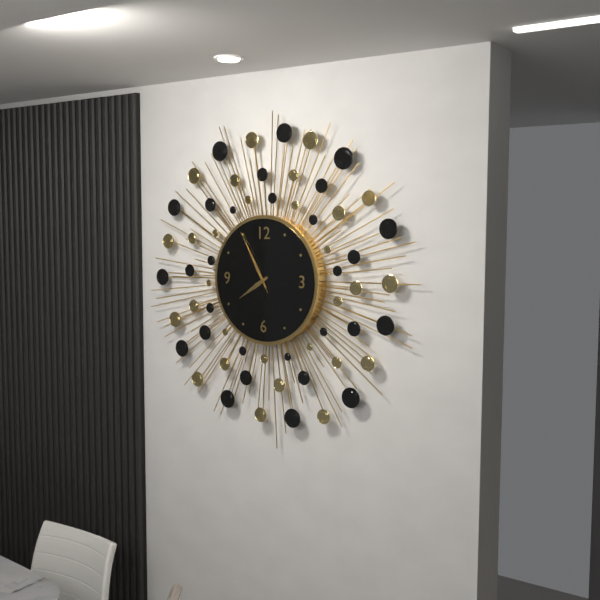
7:55:55
